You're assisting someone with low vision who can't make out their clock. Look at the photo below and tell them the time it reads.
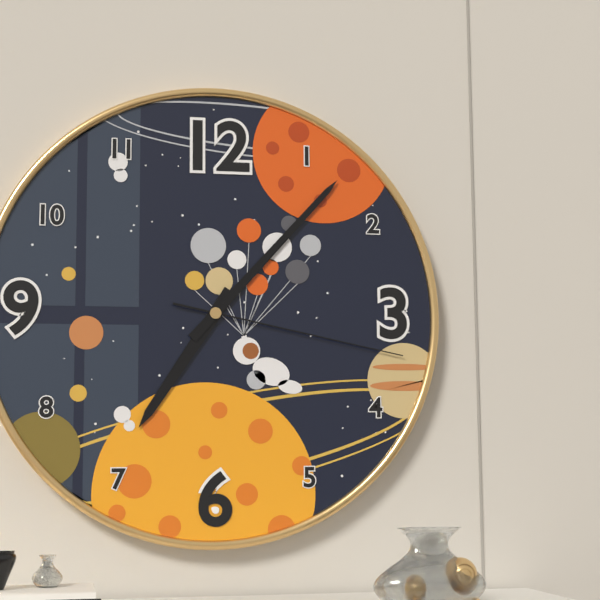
7:07:17
